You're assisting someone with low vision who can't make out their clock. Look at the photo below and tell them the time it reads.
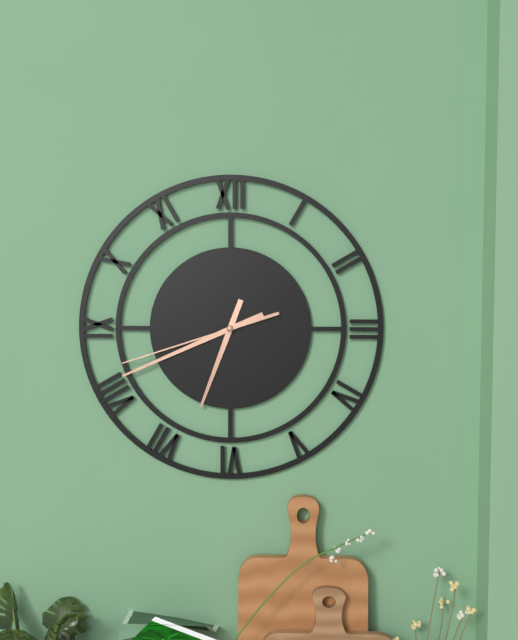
6:41:42
